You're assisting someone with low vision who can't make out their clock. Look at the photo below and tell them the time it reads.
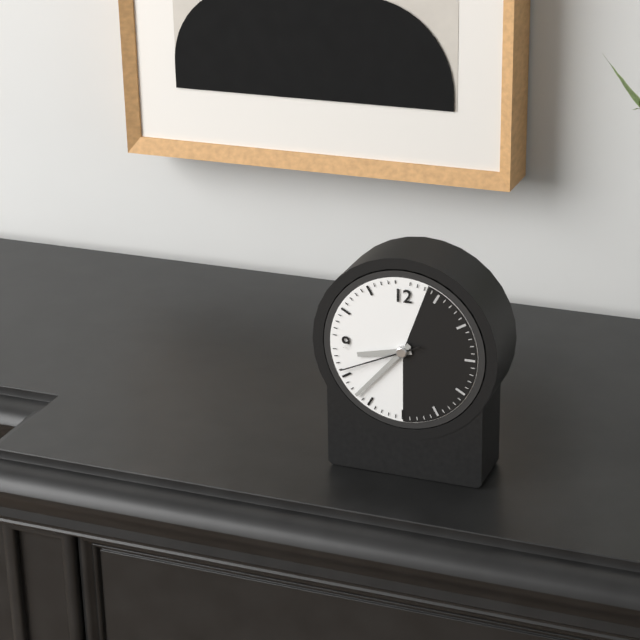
8:37:41
